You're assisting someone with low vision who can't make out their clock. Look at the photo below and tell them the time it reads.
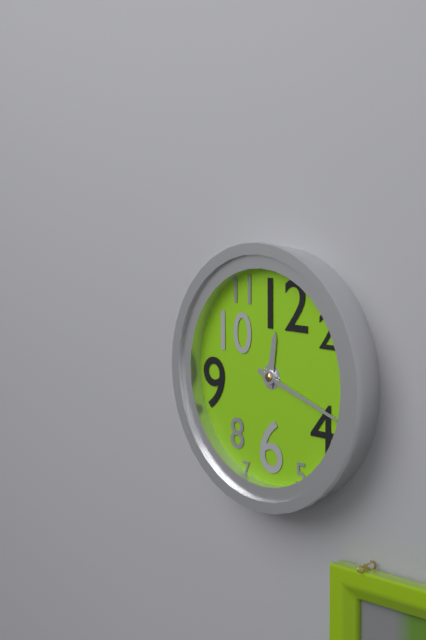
12:18
